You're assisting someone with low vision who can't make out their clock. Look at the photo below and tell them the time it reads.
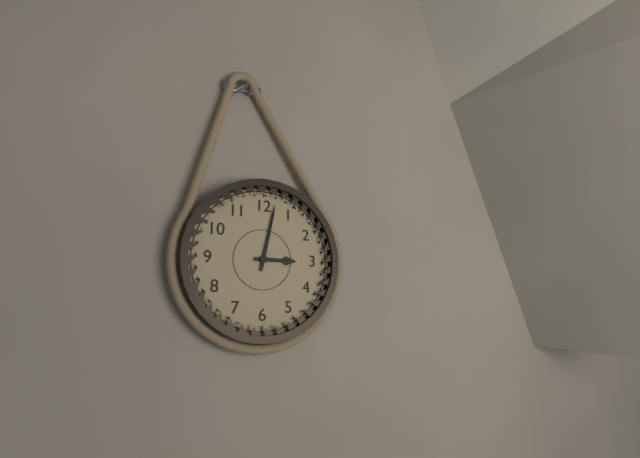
3:02
